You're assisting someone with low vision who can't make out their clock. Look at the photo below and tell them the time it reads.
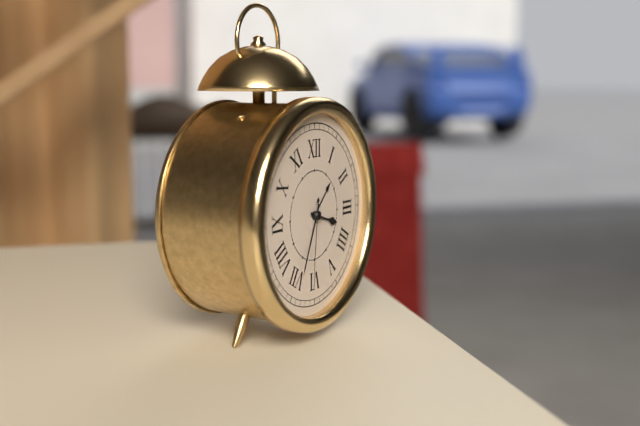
3:34:31
